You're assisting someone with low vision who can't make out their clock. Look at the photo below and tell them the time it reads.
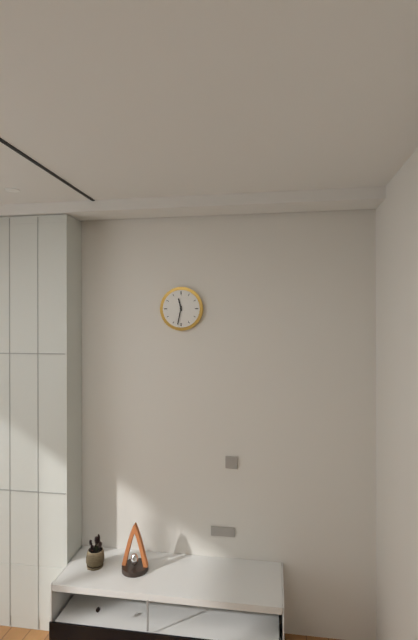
11:32
